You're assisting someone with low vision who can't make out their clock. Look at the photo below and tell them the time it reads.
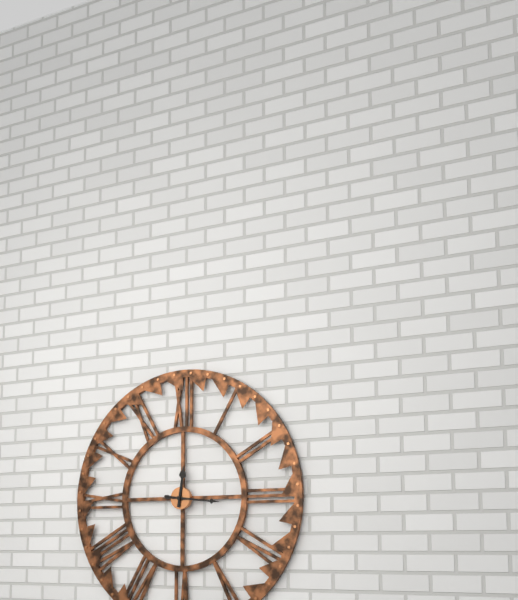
12:16
